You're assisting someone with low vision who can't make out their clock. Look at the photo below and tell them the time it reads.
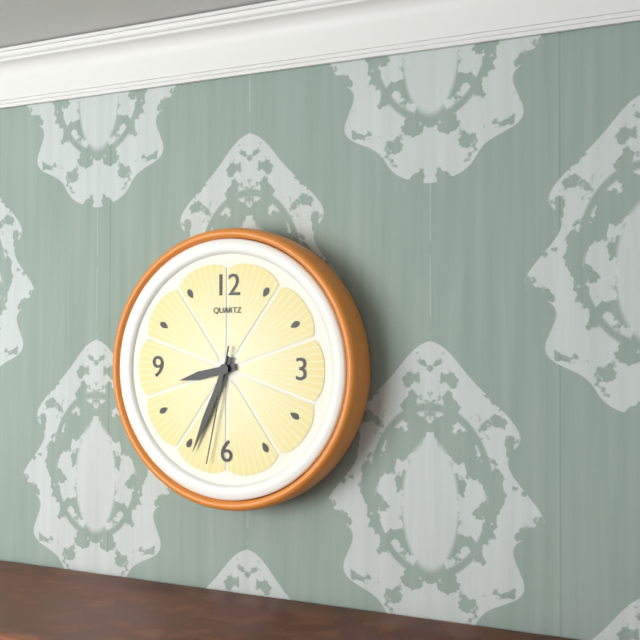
8:34:32
